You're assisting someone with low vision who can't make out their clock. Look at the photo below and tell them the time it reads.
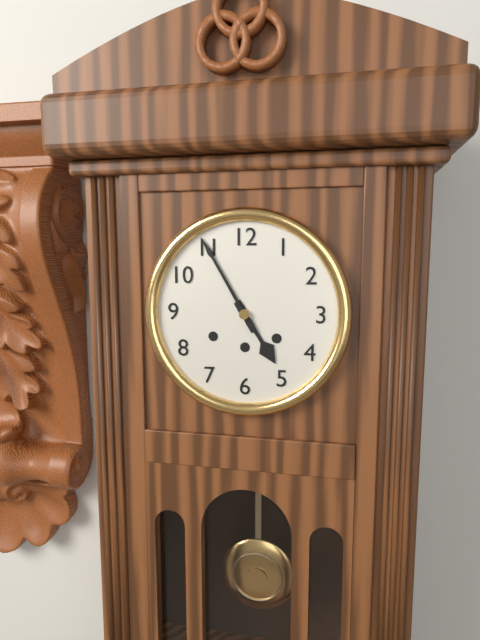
4:55
